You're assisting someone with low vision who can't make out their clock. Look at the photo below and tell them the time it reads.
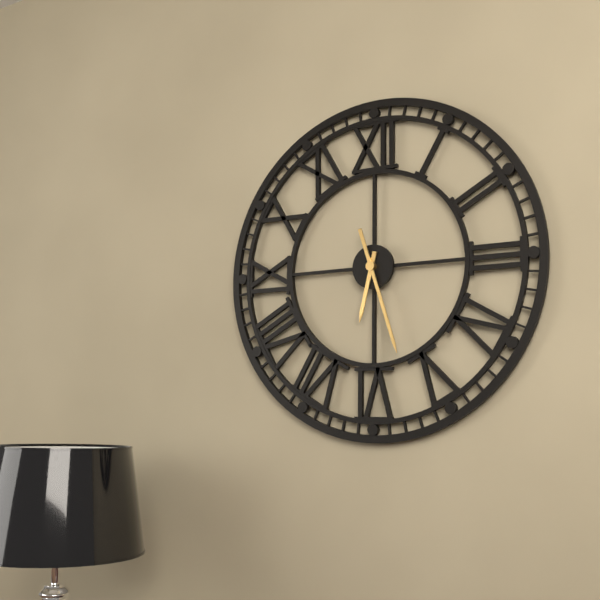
6:27
